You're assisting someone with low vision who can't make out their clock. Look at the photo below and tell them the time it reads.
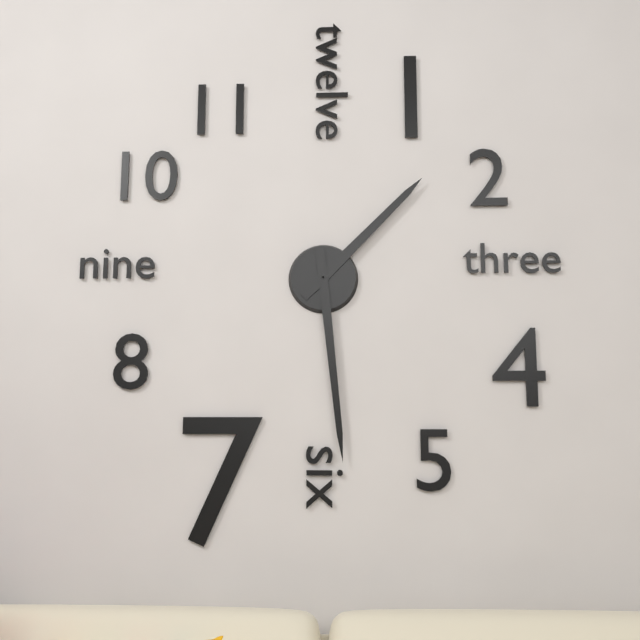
1:29
